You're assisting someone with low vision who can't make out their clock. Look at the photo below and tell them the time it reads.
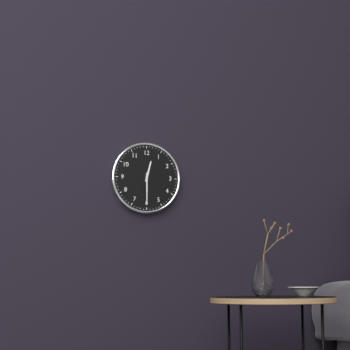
12:30
